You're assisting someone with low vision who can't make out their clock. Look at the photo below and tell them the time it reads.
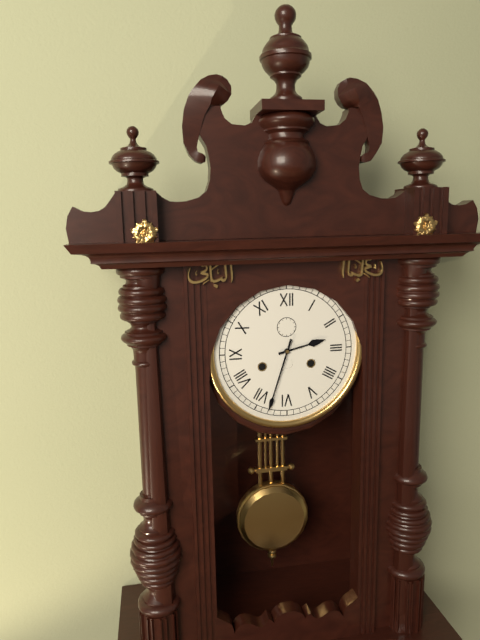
2:33
